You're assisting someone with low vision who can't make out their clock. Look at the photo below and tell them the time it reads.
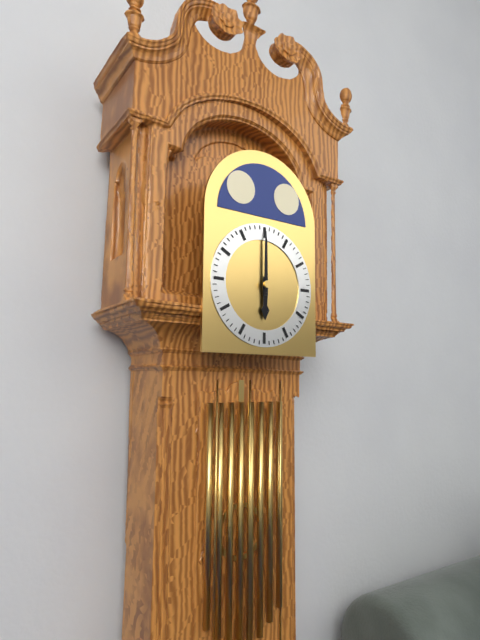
6:00
